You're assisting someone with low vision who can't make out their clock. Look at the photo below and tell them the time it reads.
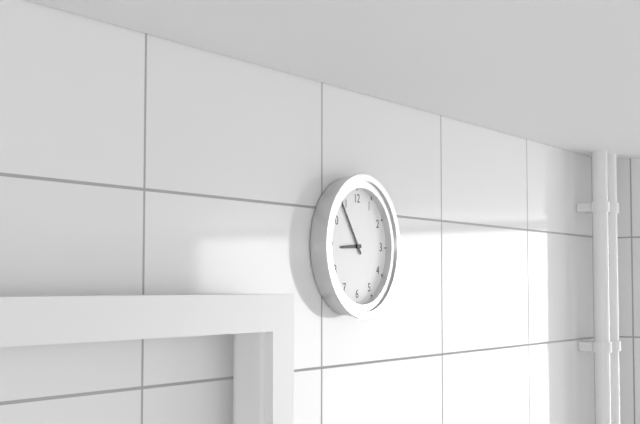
8:54
